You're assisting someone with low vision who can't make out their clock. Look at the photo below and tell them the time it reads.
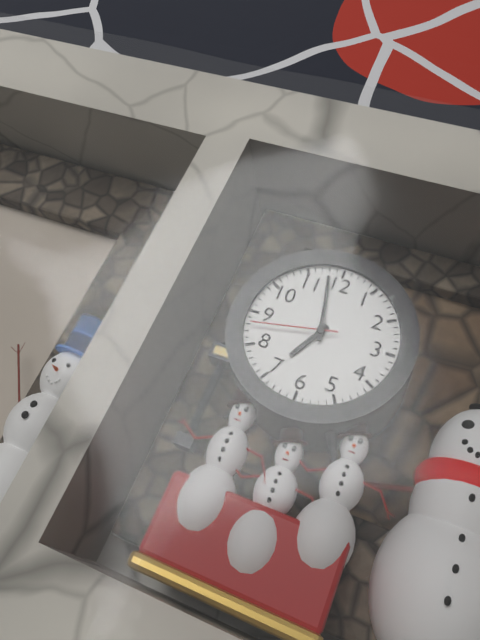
6:58:43
